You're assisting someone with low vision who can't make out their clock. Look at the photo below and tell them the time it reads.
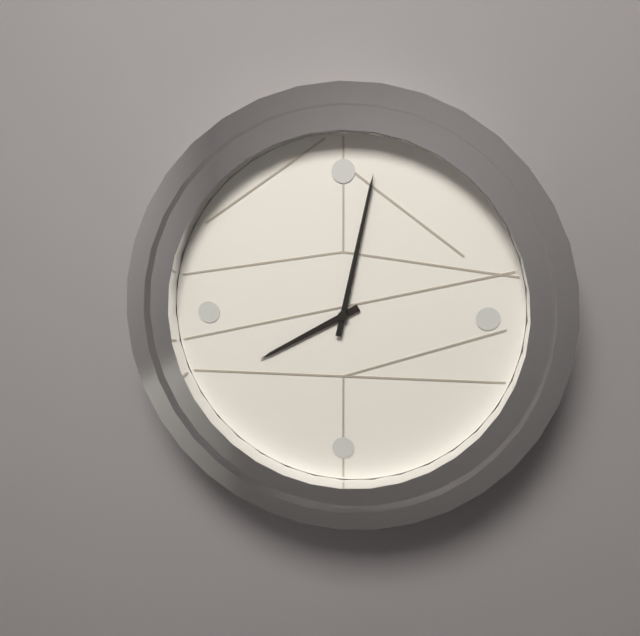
8:02
